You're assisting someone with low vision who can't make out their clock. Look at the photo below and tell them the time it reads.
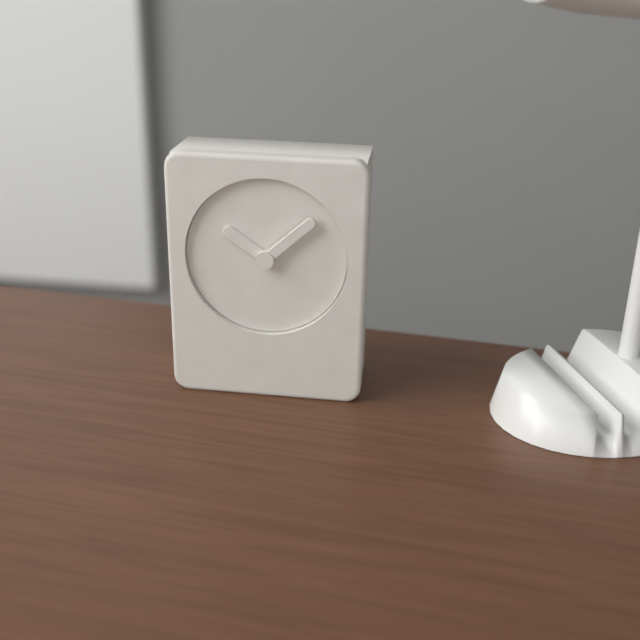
10:08
